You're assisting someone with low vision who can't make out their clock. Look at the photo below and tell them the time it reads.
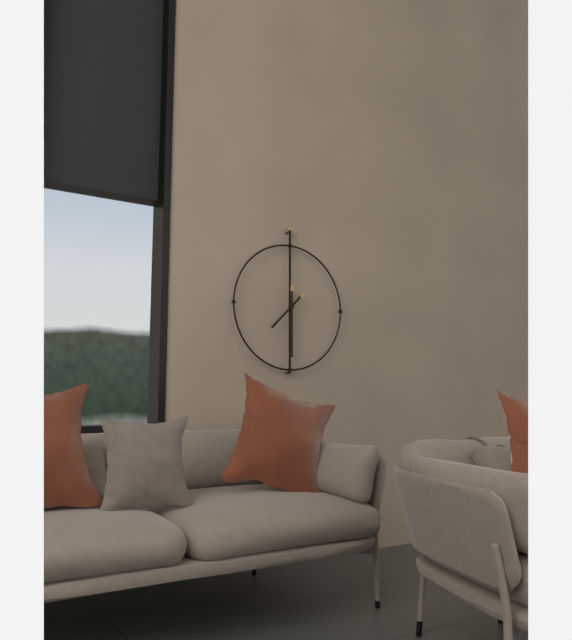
7:30
